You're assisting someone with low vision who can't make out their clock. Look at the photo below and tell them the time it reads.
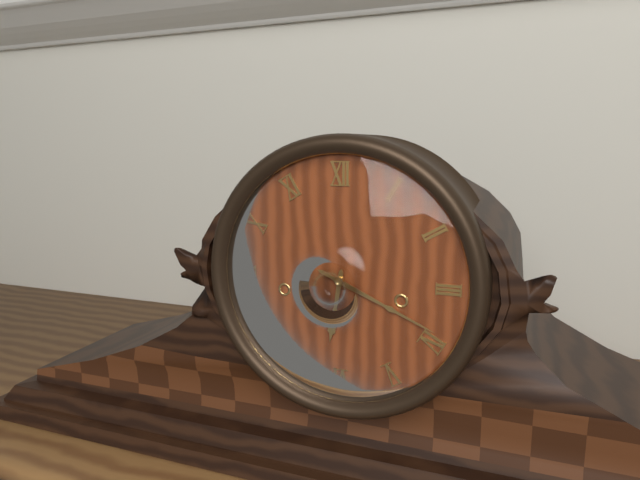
6:19
